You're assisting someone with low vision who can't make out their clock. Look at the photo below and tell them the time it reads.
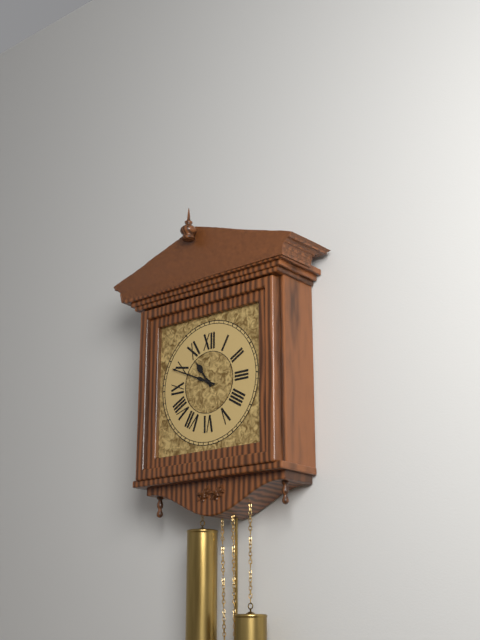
10:49
